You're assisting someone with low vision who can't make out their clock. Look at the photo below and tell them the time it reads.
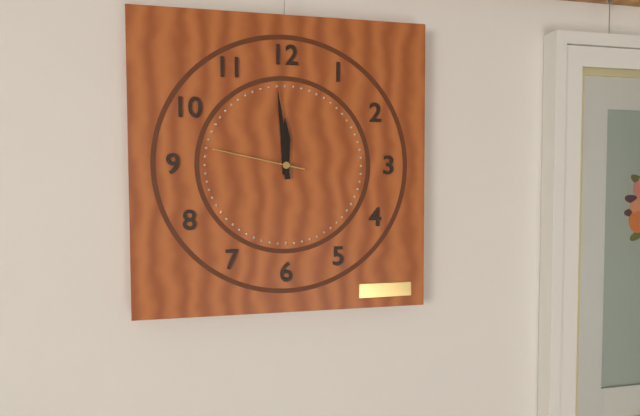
11:59:47
